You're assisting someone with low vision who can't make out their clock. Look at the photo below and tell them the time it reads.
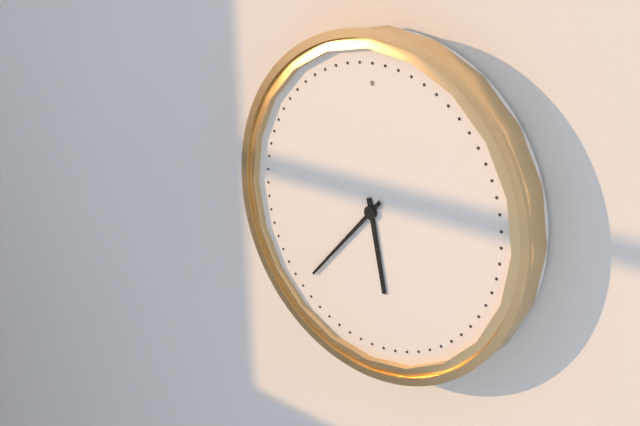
5:37
